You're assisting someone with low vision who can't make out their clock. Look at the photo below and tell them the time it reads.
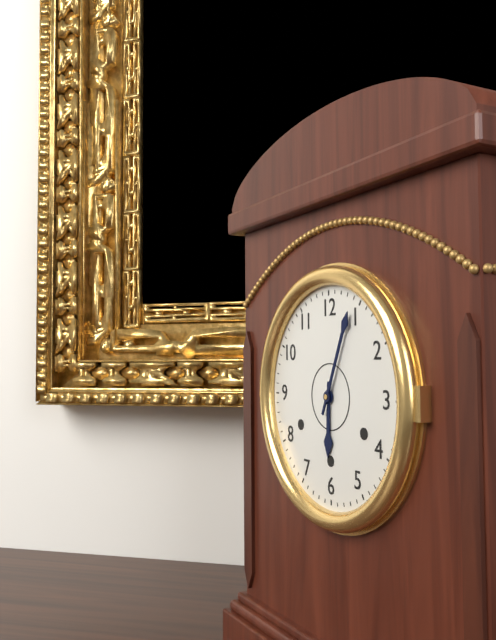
6:04
